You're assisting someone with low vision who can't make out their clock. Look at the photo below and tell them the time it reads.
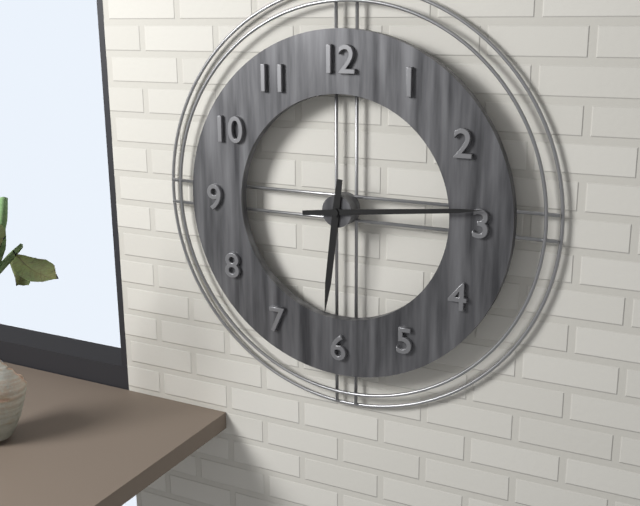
6:14
